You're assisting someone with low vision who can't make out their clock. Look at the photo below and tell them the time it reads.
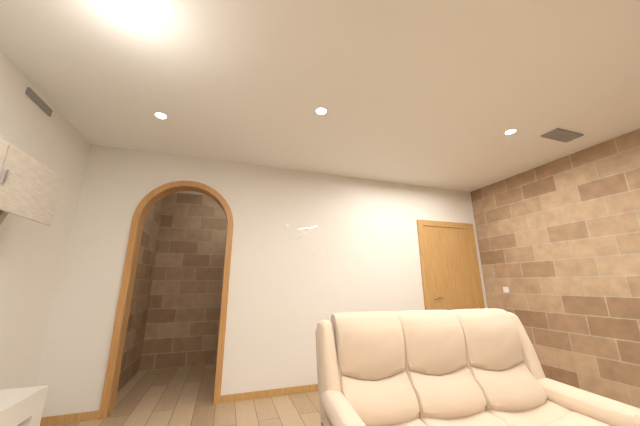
8:39
